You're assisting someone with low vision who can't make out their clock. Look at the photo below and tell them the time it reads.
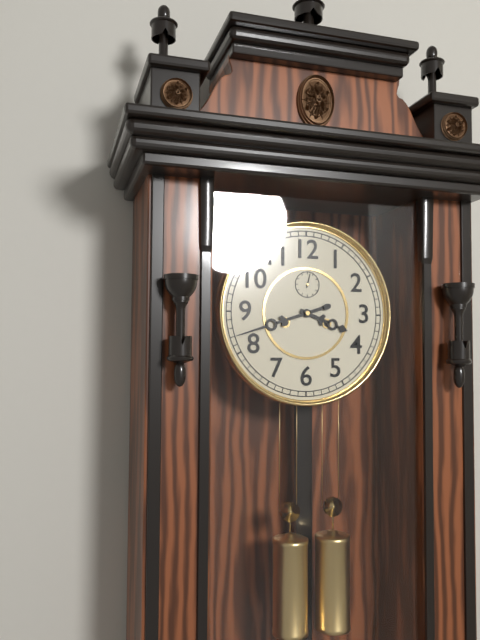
3:42
